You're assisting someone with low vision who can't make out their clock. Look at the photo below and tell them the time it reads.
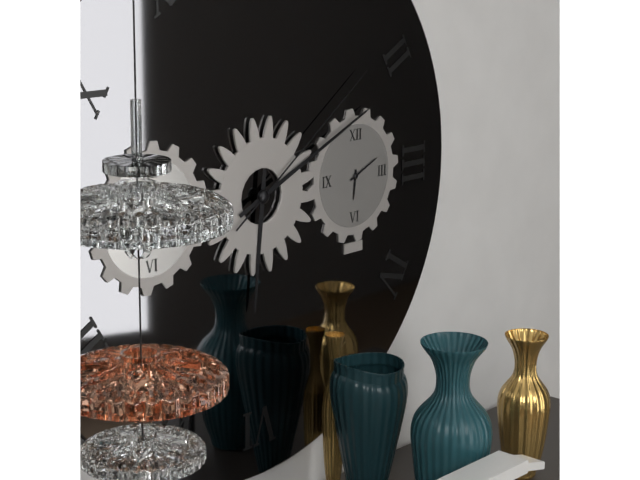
6:11:09
